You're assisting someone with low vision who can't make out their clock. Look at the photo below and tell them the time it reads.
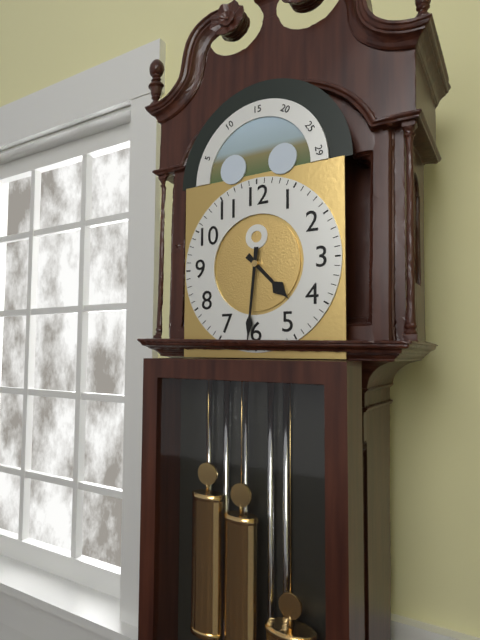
4:31
